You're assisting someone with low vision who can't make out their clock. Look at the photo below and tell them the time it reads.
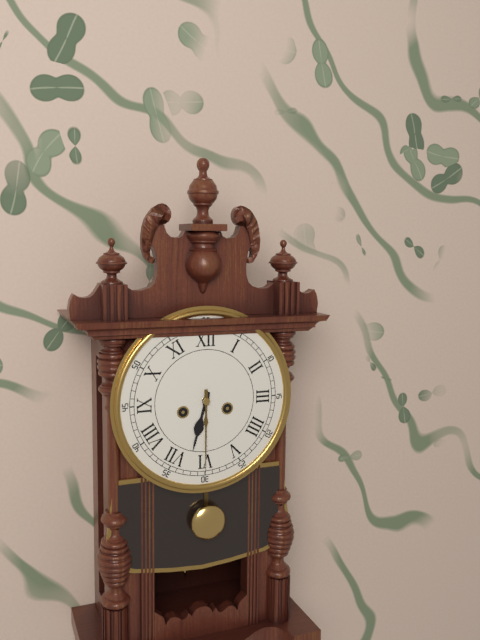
6:30
